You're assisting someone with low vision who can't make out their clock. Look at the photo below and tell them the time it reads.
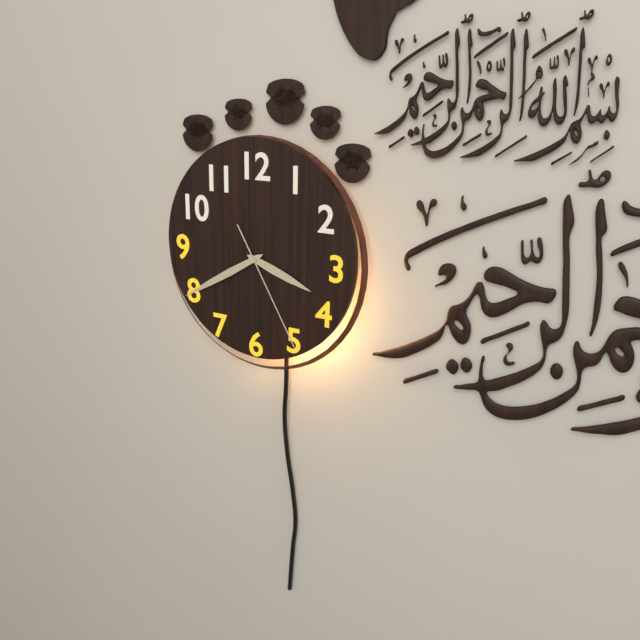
3:40:25
